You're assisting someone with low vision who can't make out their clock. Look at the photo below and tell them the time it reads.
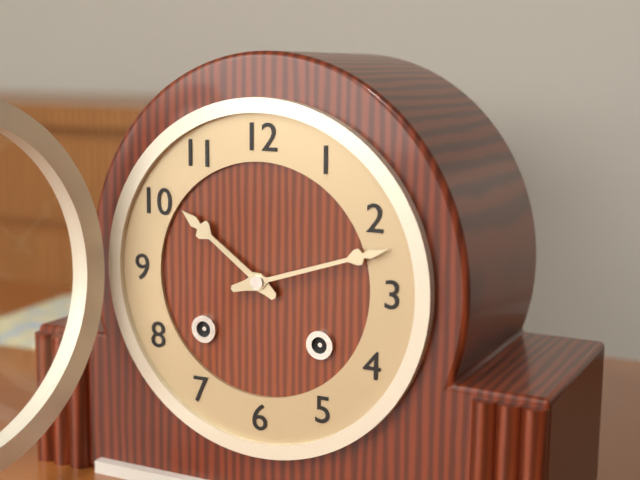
10:12
